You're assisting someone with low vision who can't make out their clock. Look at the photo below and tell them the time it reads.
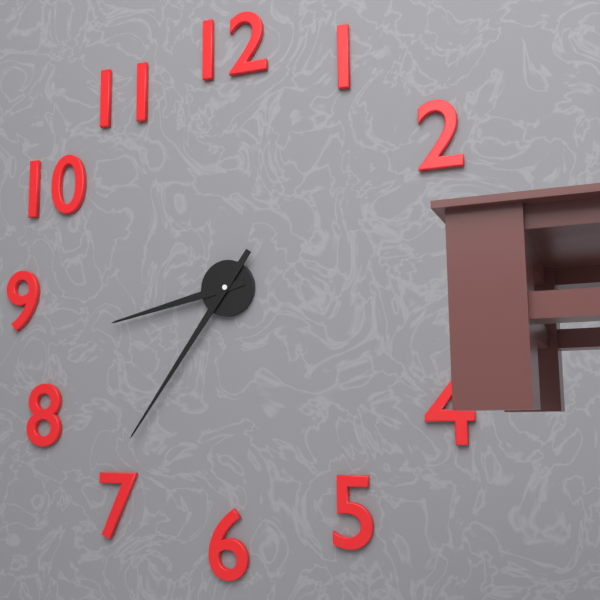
8:36
